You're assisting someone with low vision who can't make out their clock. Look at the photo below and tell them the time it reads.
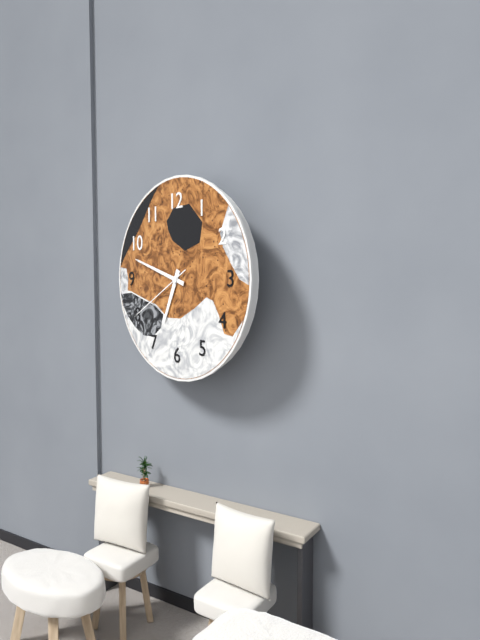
6:48:40
